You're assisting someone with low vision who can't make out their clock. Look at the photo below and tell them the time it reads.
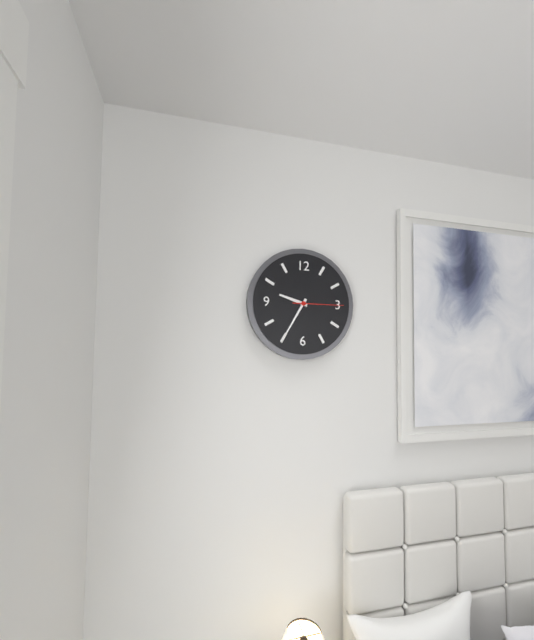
9:35:15
